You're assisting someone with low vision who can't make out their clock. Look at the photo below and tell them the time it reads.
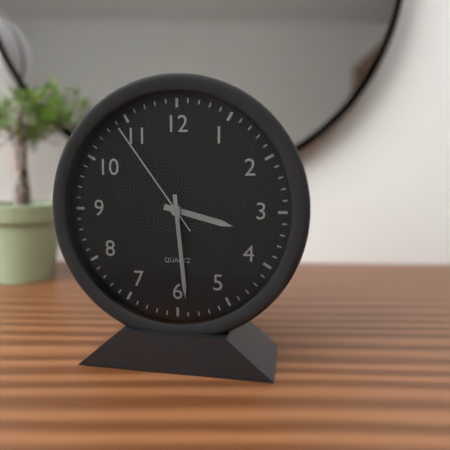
3:29:54
